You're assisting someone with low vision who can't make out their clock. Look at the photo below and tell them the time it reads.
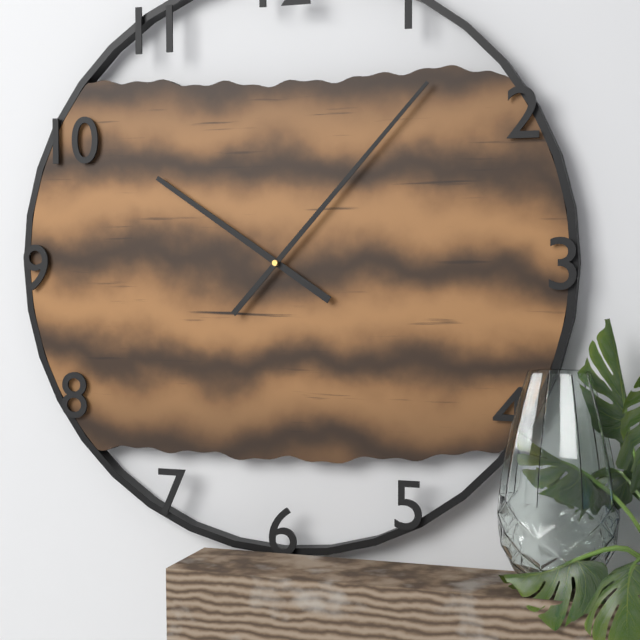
10:07
